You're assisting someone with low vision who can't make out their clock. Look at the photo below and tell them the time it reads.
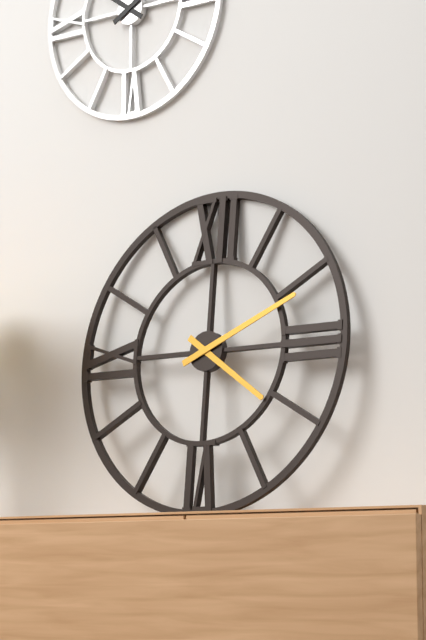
4:11
